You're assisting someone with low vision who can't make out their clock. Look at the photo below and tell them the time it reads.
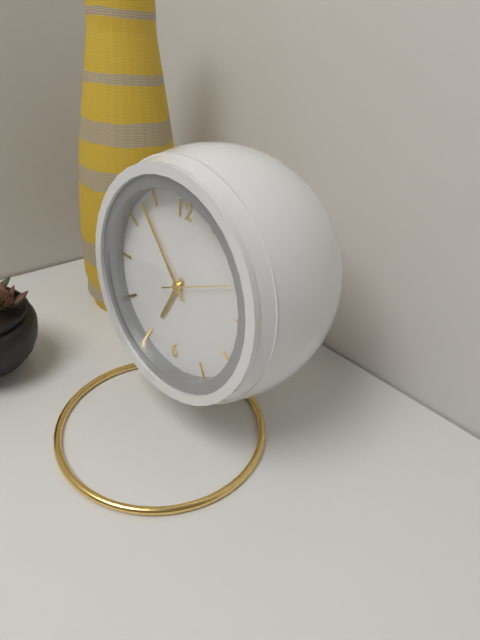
6:53:11
